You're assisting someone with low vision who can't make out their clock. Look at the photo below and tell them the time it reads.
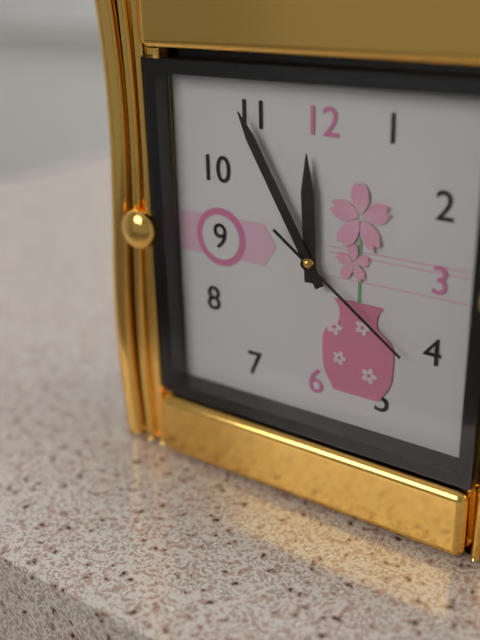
11:55:21
